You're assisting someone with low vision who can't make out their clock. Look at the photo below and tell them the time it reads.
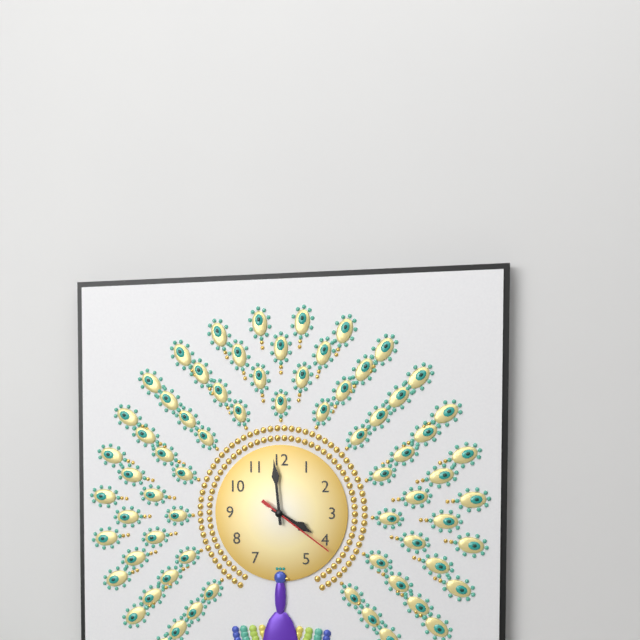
3:59:21
